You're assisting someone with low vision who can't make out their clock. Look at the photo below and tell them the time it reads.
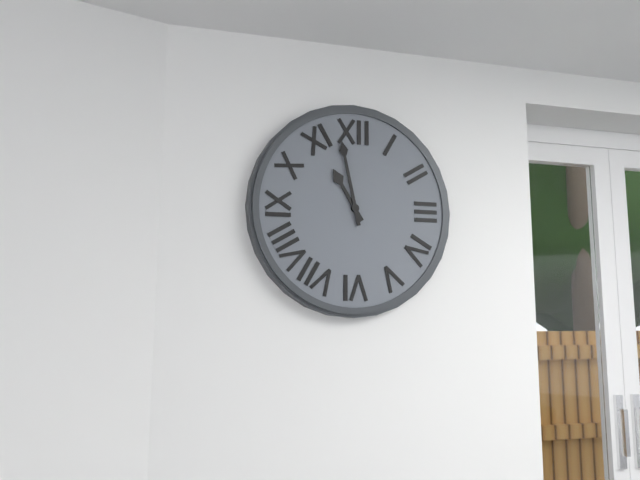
10:58
